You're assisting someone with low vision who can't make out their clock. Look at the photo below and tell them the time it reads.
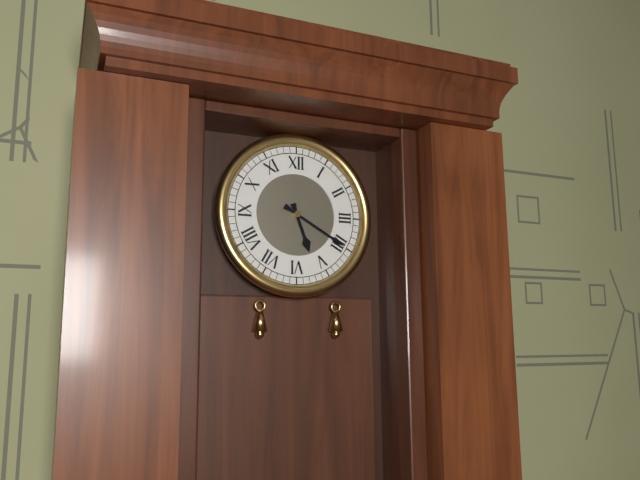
5:20
